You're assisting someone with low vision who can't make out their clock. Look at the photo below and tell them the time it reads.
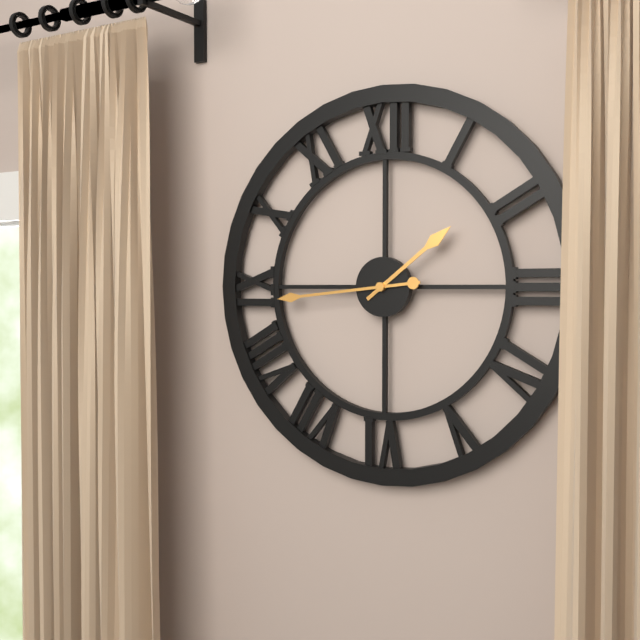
1:44
